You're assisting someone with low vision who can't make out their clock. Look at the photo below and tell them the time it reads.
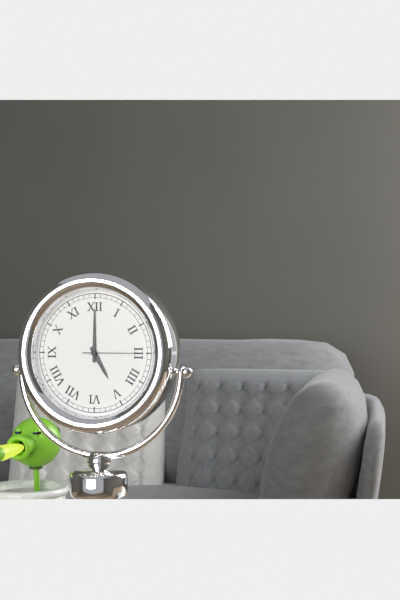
5:00:15
